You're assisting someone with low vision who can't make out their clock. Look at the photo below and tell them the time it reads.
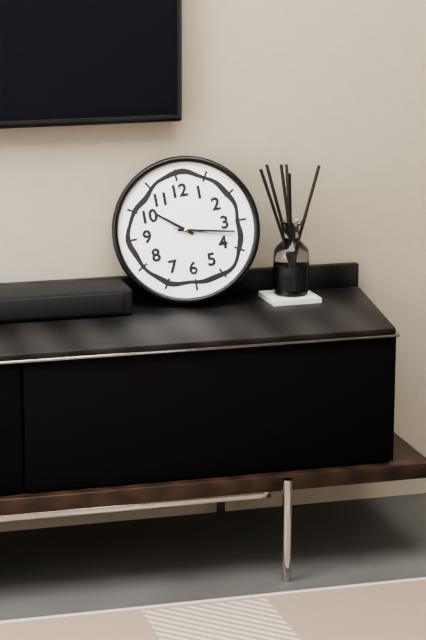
10:17:18
